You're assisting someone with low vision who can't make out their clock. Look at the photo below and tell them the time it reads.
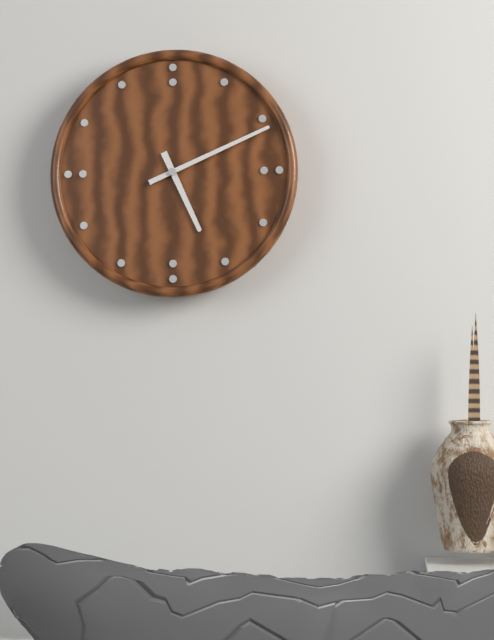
5:11
